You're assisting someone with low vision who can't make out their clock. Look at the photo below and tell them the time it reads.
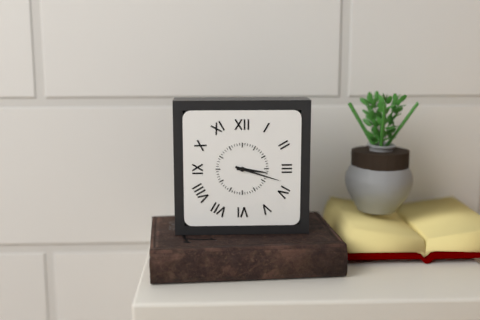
3:18
